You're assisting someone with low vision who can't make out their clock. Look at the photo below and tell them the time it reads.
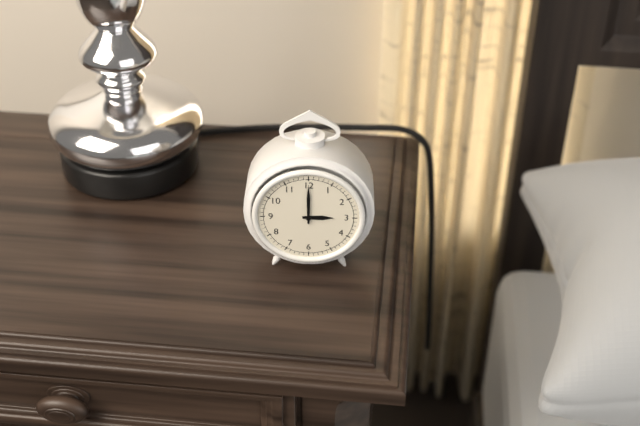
3:00
